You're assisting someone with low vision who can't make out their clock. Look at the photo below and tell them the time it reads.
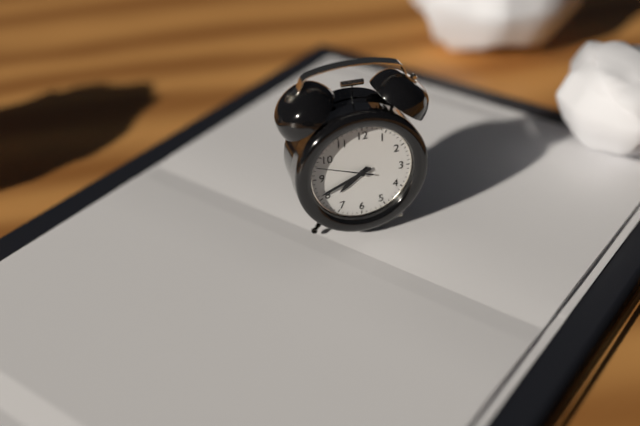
7:41:48
